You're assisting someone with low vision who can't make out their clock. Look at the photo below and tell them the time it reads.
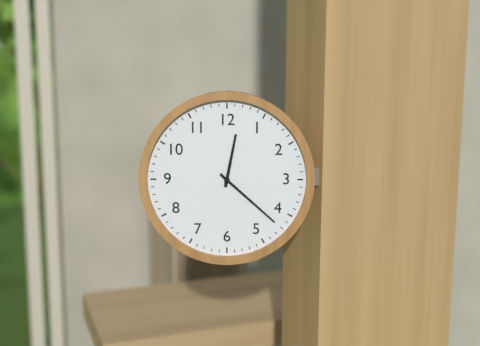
12:22
